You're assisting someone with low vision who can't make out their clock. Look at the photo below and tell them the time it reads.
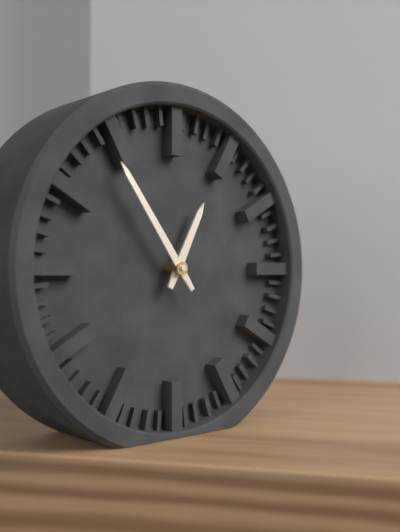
12:54
